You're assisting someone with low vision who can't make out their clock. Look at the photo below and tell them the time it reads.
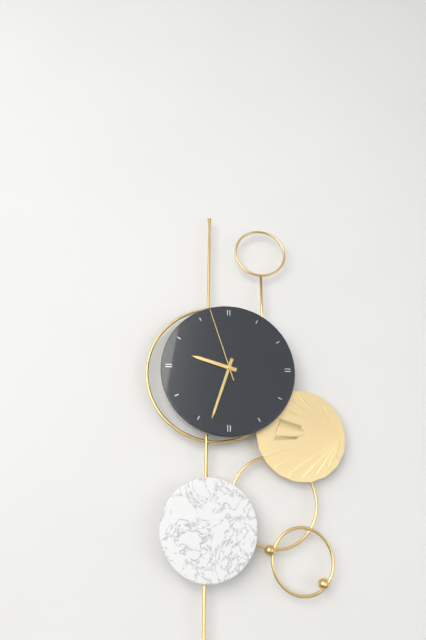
9:33:57
